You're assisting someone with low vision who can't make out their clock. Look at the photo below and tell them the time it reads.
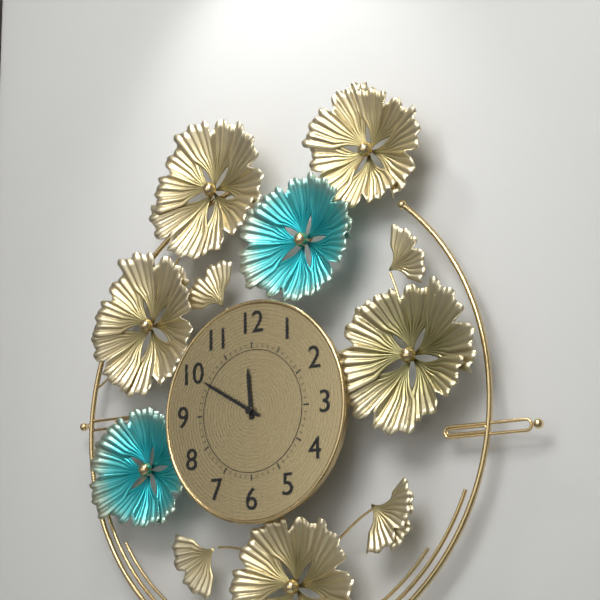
11:50
